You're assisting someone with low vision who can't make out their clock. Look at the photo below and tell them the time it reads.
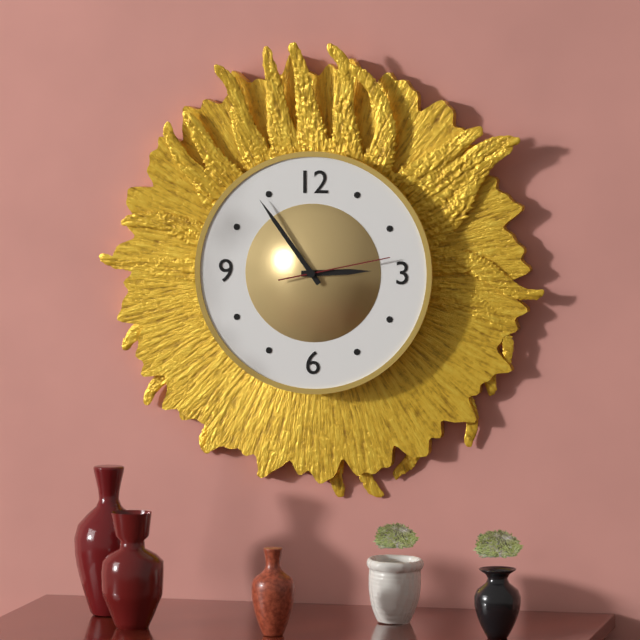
2:54:13
